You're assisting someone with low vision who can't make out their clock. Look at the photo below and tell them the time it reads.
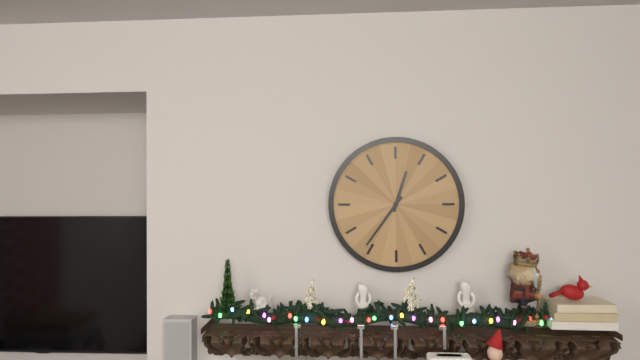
12:36
